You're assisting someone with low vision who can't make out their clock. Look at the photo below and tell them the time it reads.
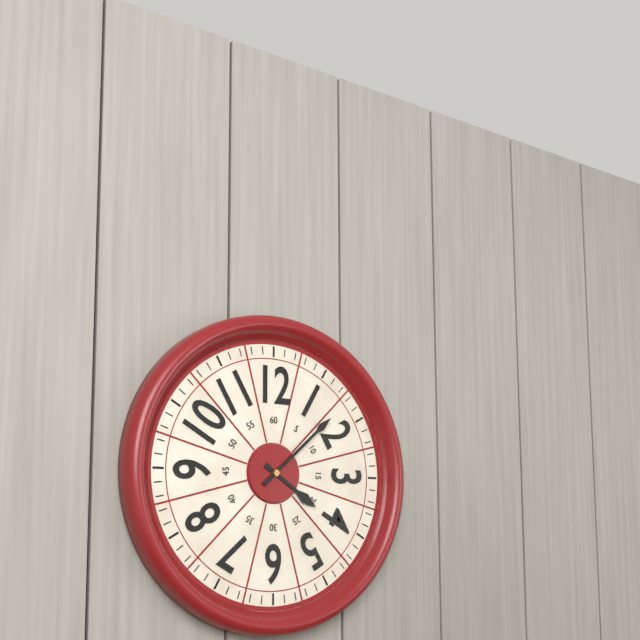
4:08
